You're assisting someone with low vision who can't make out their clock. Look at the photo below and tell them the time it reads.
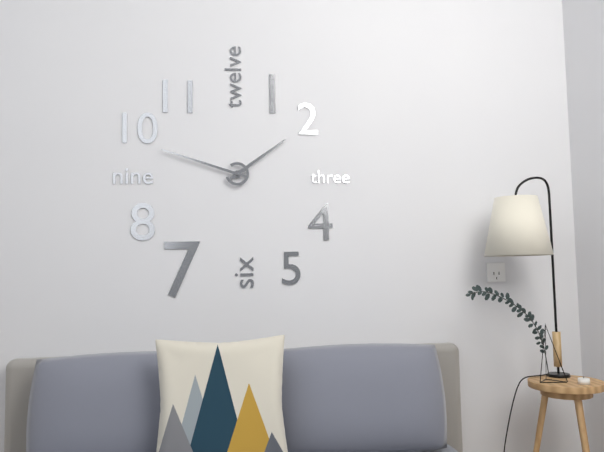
1:48
